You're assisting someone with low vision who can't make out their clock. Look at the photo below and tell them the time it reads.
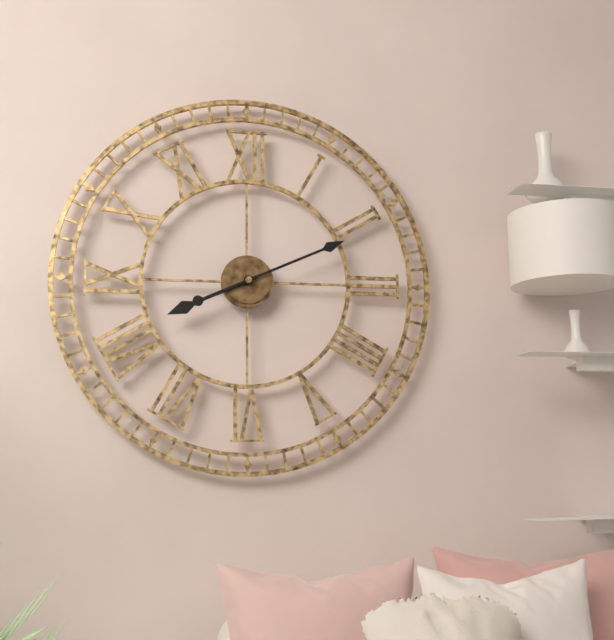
8:11
